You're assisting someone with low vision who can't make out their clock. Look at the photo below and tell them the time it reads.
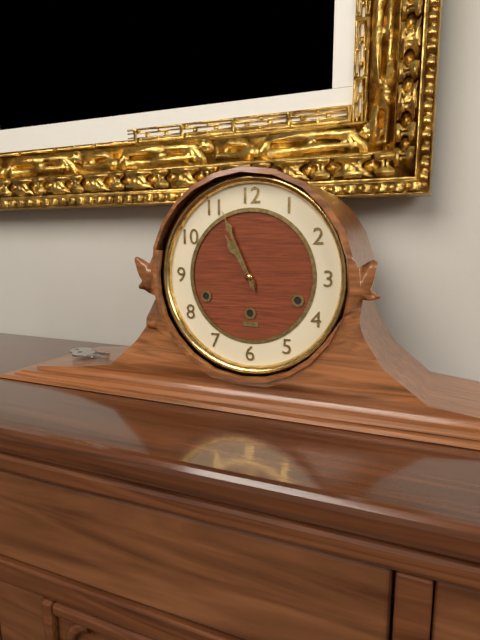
10:56
